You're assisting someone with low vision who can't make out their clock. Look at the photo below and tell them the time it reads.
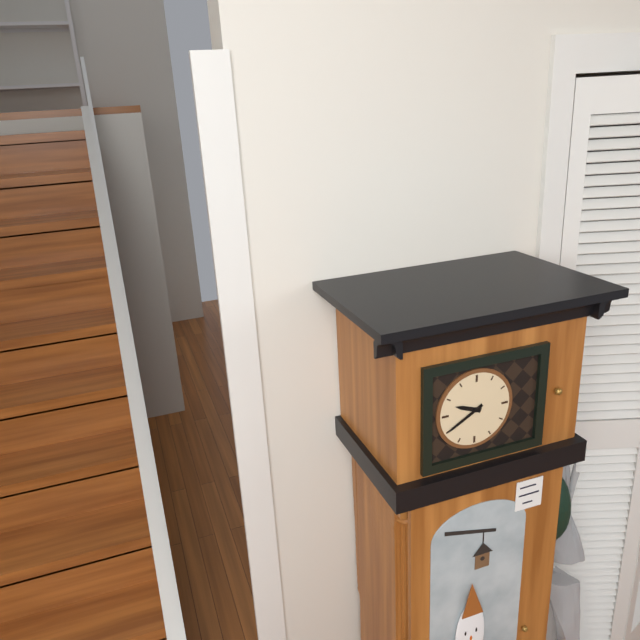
9:40
